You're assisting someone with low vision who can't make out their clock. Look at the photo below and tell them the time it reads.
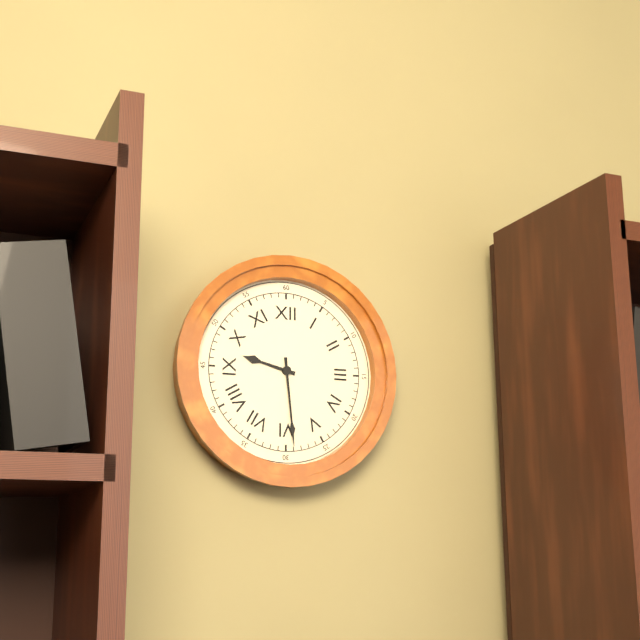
9:29
